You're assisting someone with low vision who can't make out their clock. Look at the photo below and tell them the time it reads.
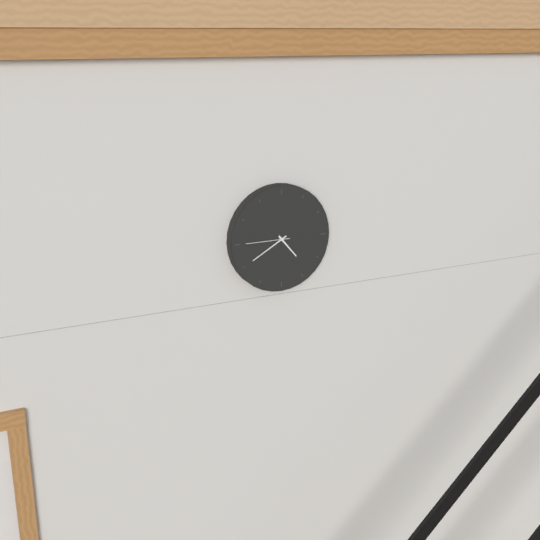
4:40
